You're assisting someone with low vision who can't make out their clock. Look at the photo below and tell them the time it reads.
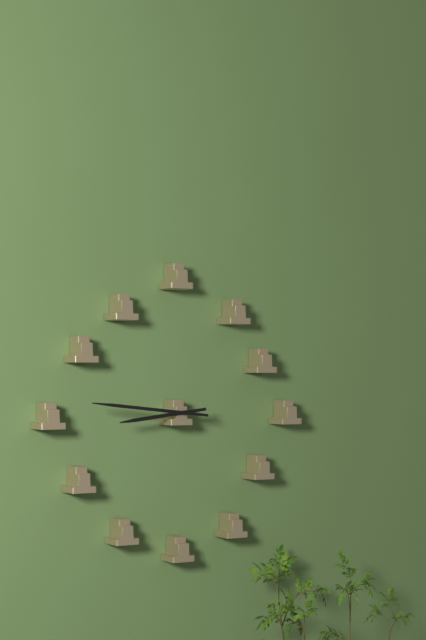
8:46
